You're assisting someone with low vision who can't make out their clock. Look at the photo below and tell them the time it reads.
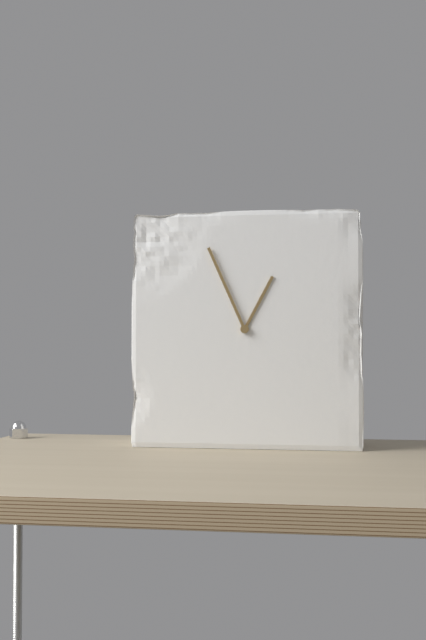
12:56
